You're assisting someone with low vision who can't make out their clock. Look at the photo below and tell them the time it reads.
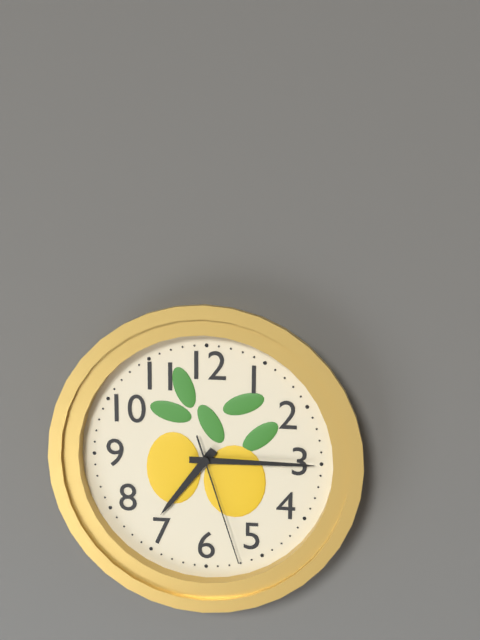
7:15:27
